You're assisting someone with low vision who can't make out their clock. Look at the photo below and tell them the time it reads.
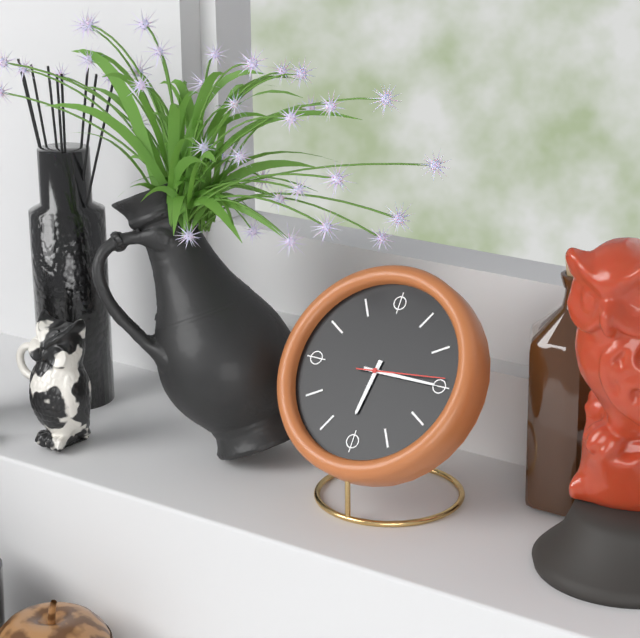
6:15:14
